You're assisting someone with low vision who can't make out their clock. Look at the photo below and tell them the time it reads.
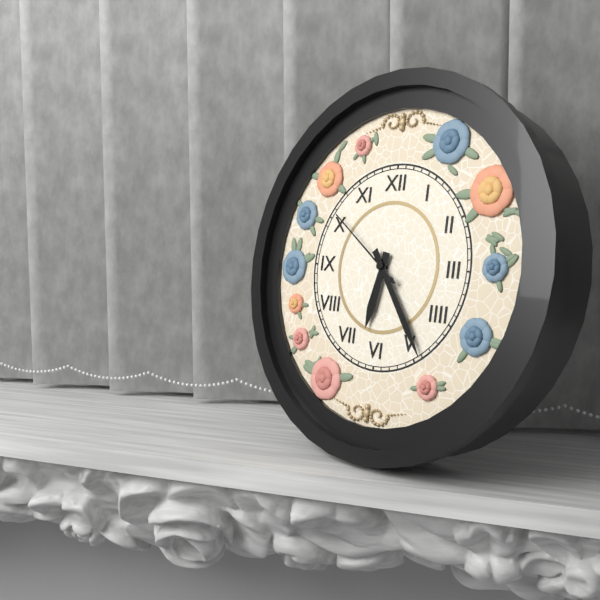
6:24:51
